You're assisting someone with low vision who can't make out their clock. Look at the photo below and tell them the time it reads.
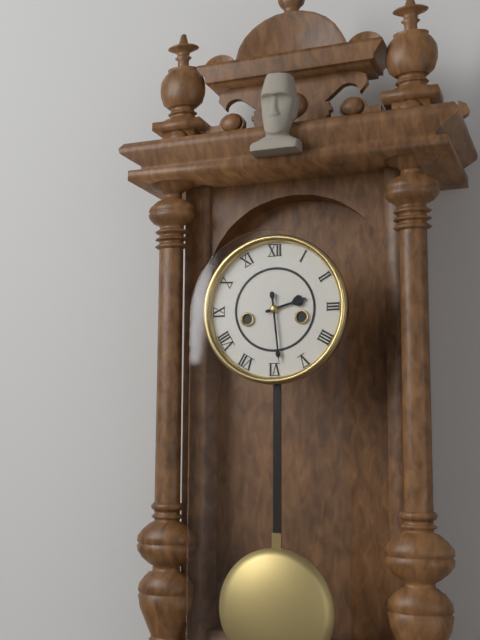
2:29
